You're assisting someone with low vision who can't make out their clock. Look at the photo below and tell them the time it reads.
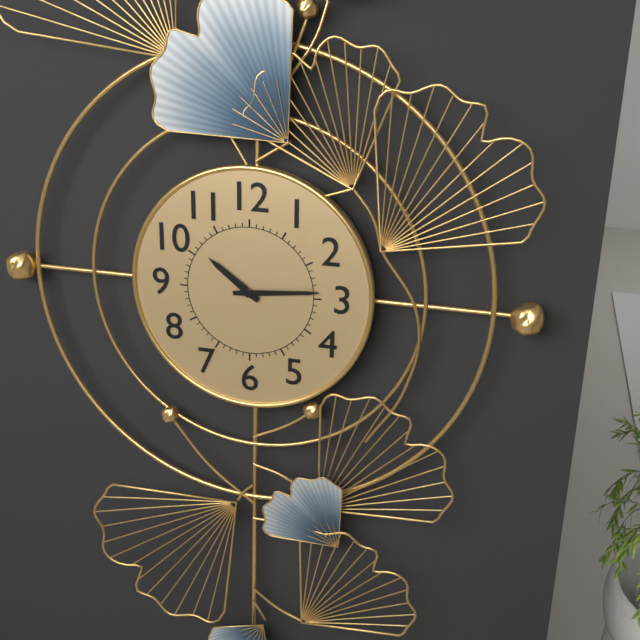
10:14
